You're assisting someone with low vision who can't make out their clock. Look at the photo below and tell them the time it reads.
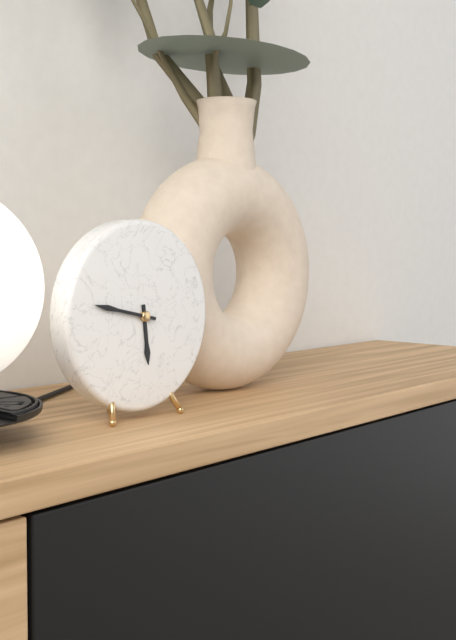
5:47
